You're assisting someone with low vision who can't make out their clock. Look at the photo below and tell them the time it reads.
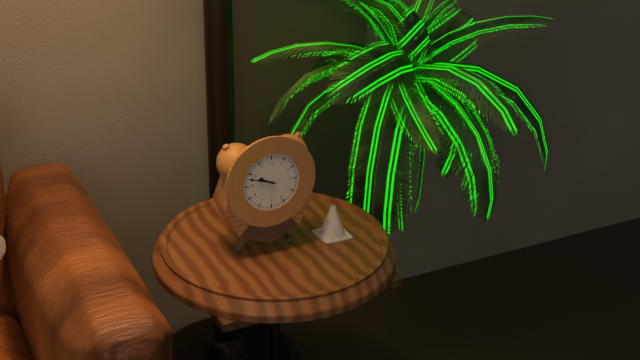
9:48
